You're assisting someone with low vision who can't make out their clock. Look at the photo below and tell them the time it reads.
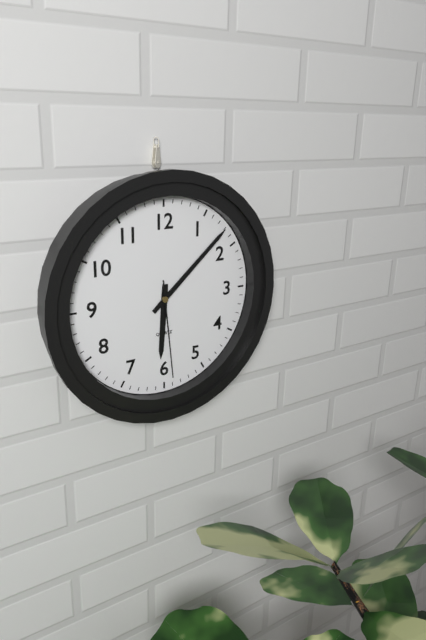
6:08:29
